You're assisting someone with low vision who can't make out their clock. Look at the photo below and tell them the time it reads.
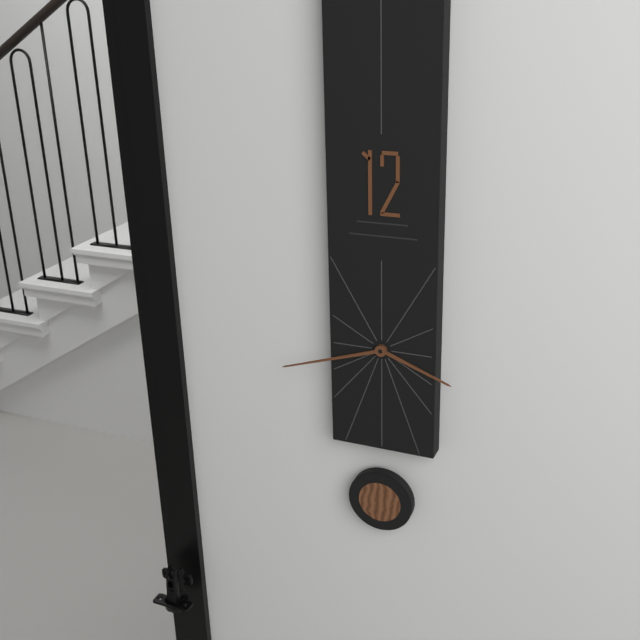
3:42
